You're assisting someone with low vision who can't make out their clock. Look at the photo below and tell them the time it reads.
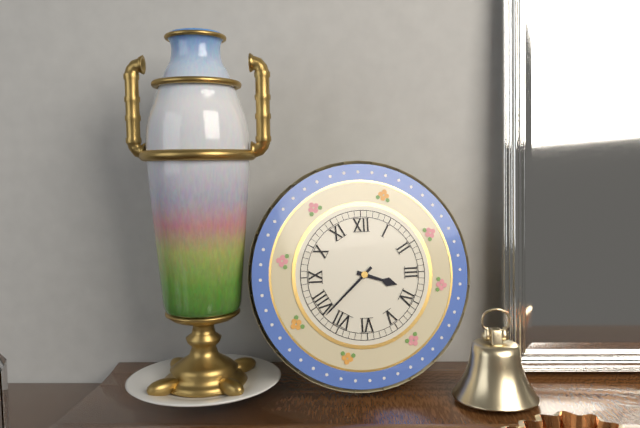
3:38
